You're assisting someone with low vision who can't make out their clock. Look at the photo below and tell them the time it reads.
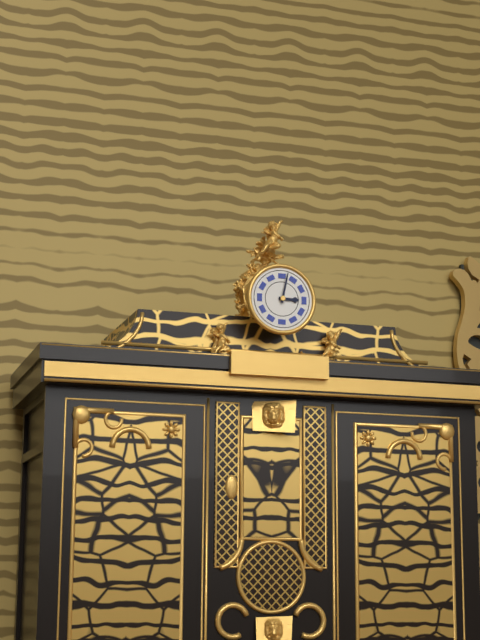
3:02
